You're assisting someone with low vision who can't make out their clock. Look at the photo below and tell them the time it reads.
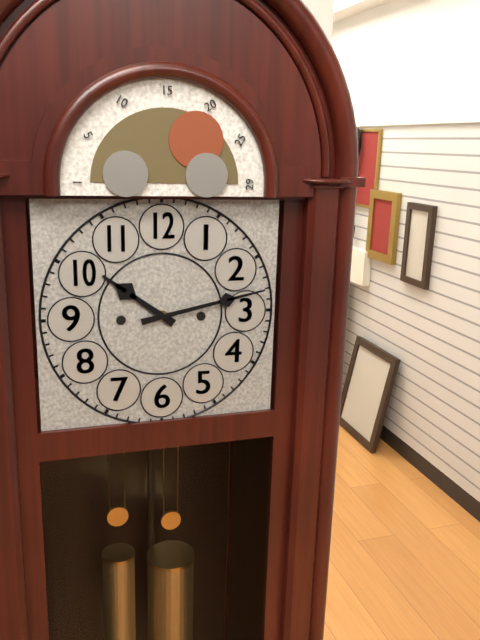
10:13
